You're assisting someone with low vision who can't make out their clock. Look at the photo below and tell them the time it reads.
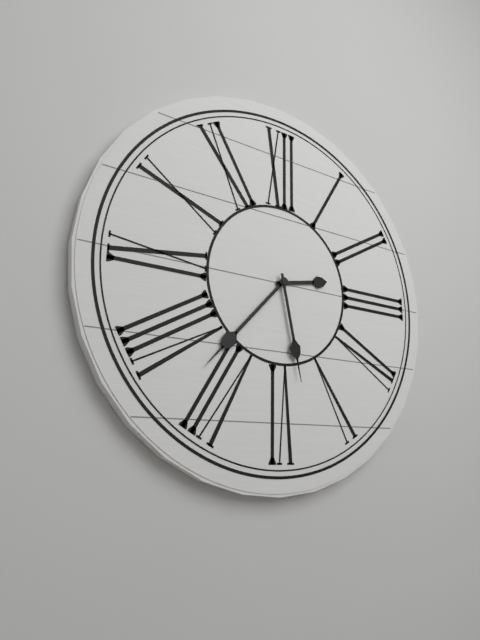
2:37:28
